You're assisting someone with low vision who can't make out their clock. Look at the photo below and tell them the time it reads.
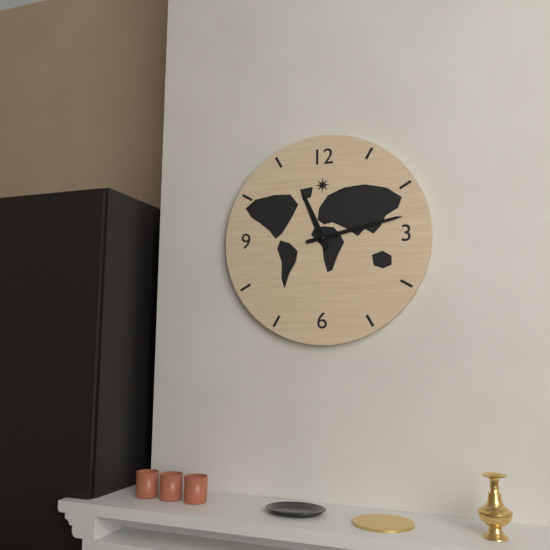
11:13
